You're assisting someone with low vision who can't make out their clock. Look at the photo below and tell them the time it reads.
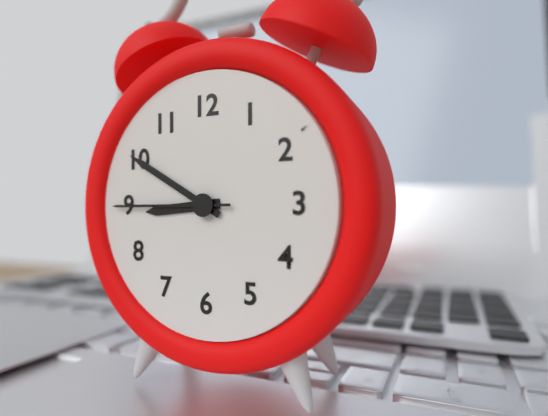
8:50:45
